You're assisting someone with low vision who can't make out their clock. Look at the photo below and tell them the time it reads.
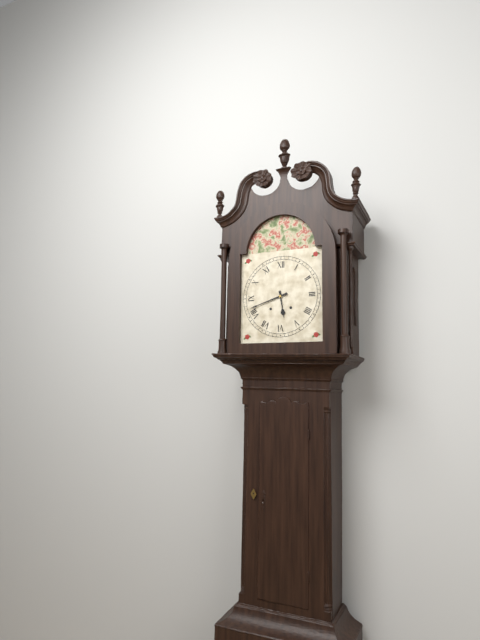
5:42
